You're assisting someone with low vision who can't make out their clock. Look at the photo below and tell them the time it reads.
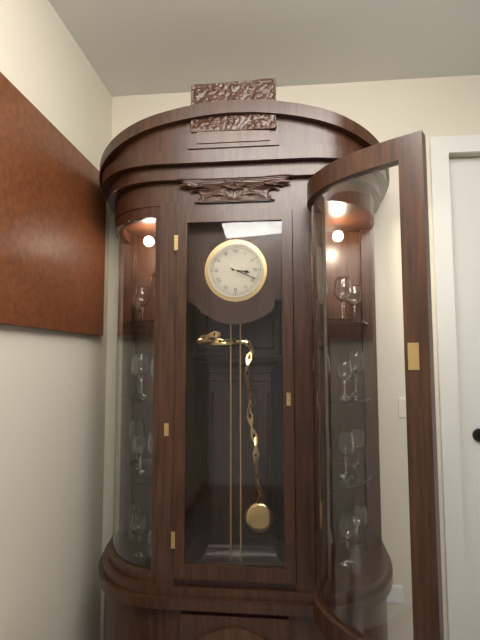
3:19
